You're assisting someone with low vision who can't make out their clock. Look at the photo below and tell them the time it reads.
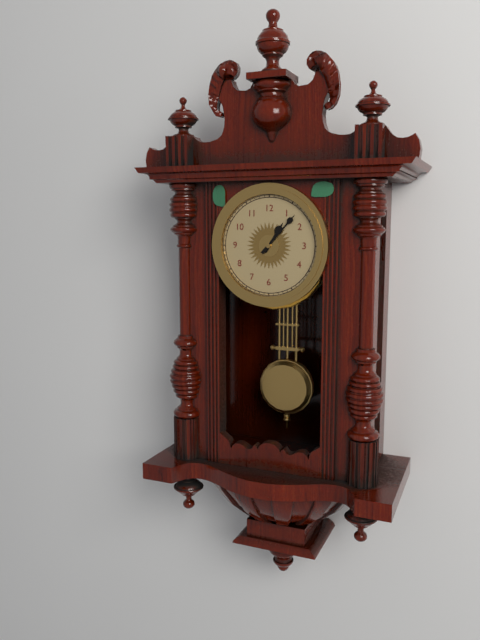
1:07
